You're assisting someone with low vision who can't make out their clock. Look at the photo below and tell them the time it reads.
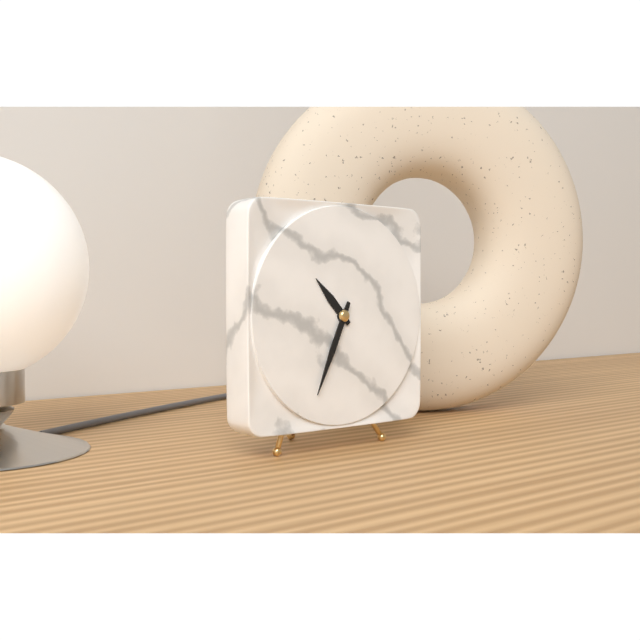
10:34
